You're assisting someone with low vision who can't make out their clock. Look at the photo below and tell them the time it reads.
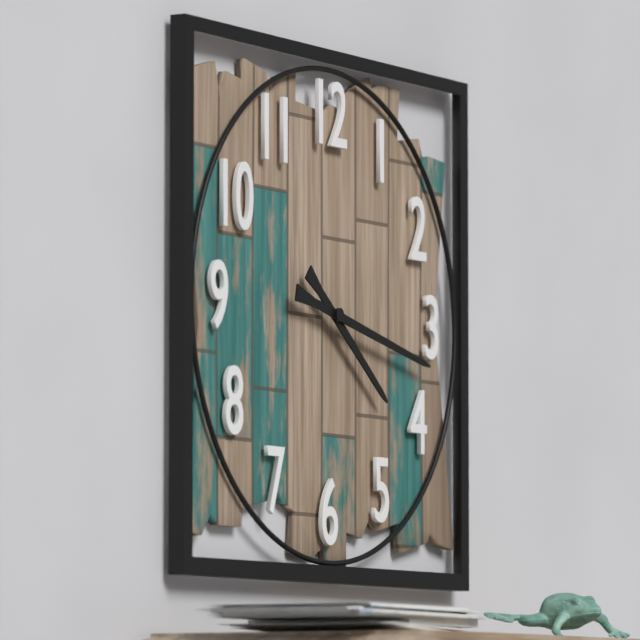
4:17
